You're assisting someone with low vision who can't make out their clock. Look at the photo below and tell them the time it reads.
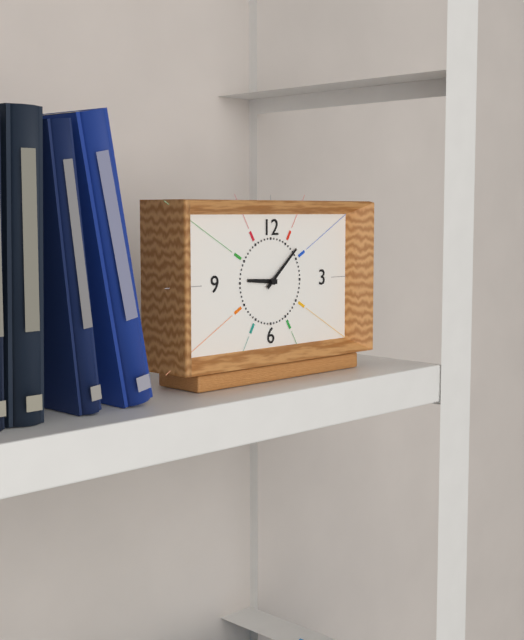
9:08
